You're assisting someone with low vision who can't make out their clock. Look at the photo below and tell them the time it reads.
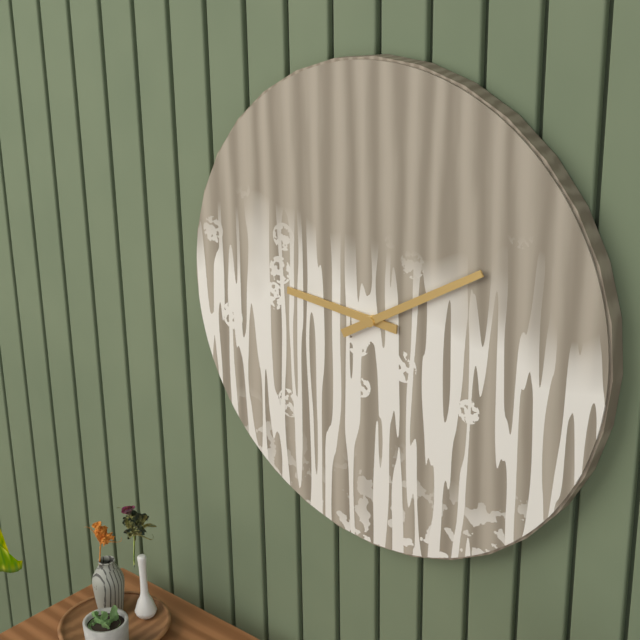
9:10
